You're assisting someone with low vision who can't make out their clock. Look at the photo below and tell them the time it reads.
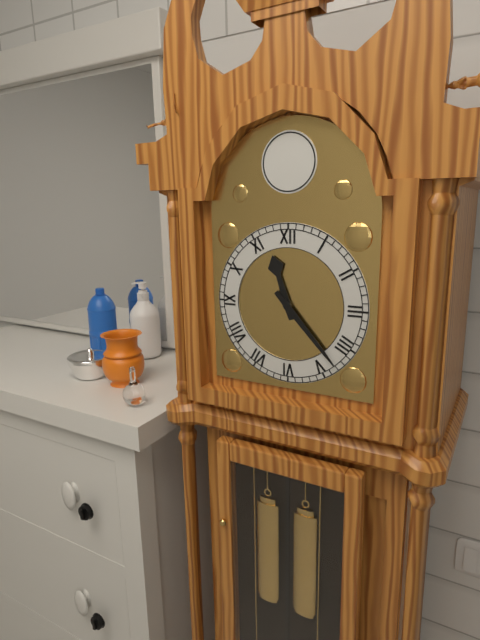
11:23
